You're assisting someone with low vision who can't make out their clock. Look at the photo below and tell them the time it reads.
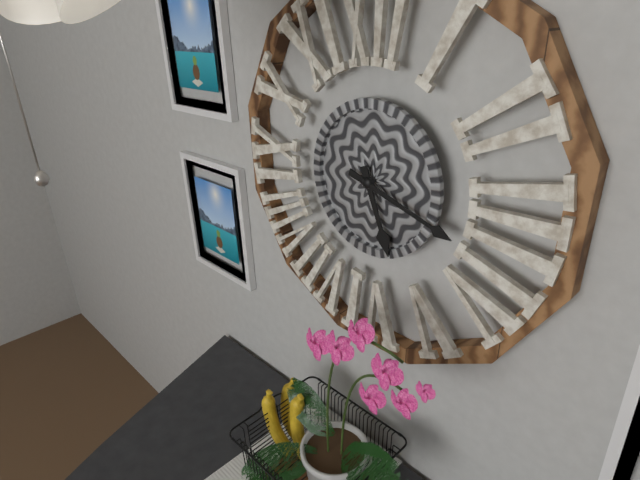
5:18
